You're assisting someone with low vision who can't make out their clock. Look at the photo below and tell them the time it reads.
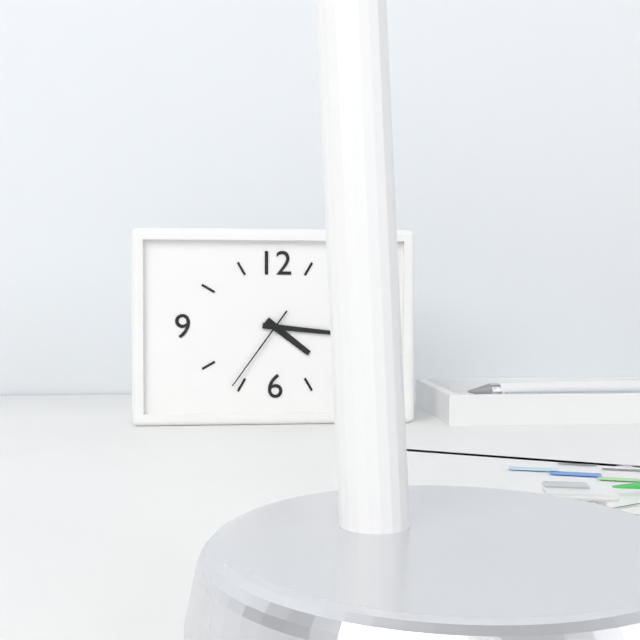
4:16:36
